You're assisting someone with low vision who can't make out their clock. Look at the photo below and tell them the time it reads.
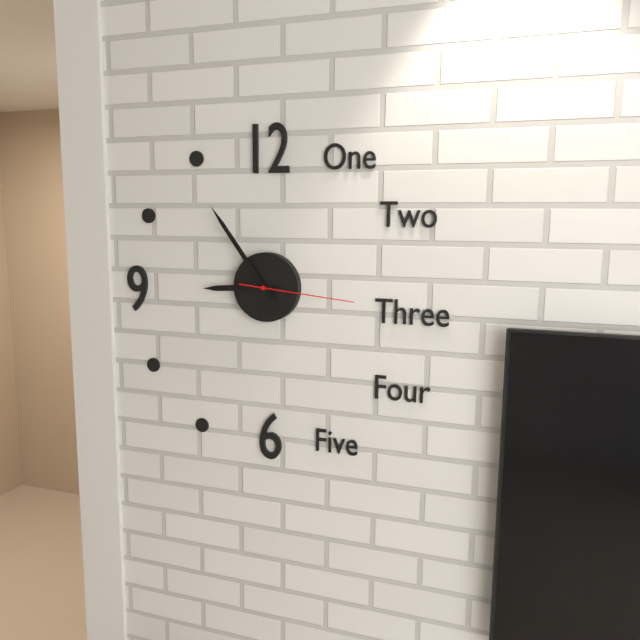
8:54:16
